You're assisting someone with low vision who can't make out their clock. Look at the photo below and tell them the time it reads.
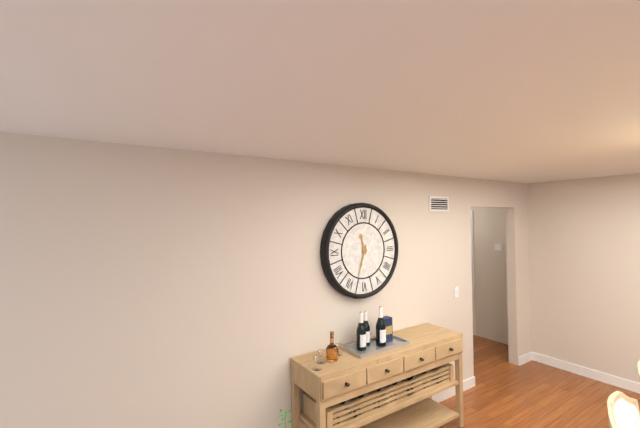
11:33
